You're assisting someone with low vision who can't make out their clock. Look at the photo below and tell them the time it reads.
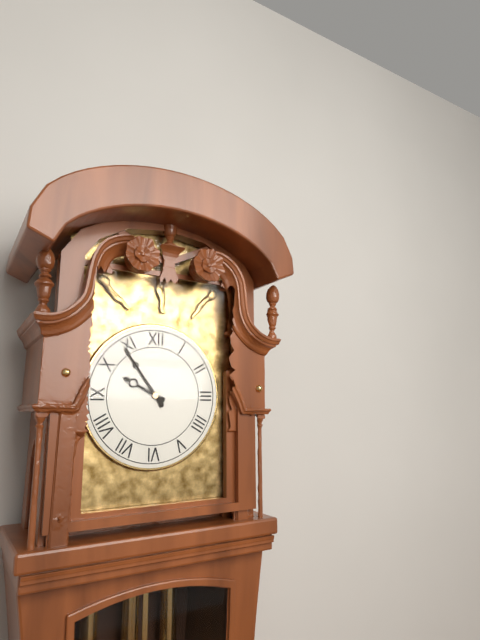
9:54
